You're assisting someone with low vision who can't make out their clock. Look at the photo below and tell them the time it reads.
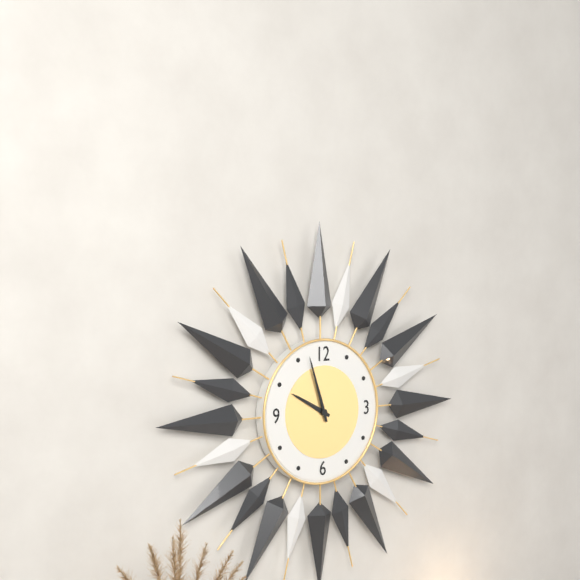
9:57
